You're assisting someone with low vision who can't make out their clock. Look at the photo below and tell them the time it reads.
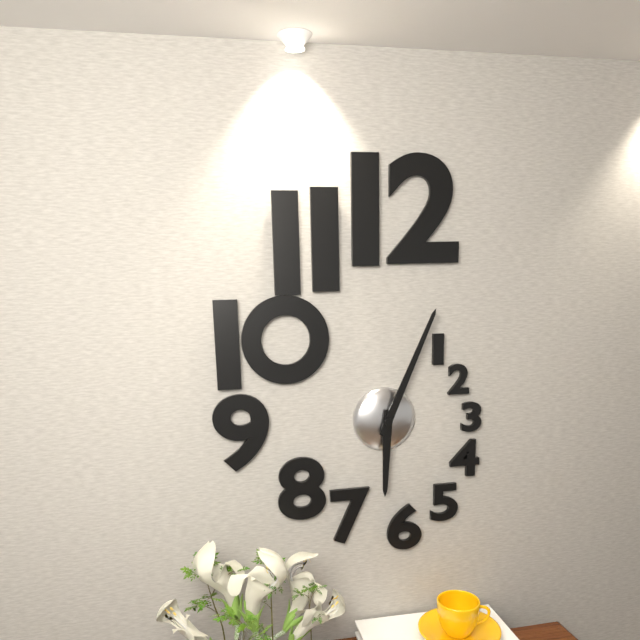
6:04
